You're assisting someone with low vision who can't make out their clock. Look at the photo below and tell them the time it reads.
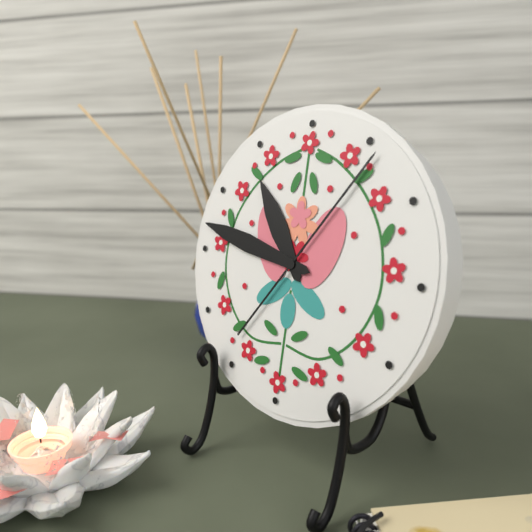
10:47:06
